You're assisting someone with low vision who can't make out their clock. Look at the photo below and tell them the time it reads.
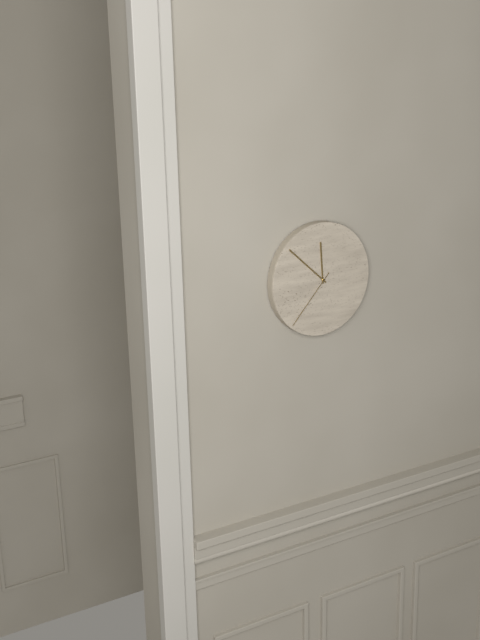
11:52:37
